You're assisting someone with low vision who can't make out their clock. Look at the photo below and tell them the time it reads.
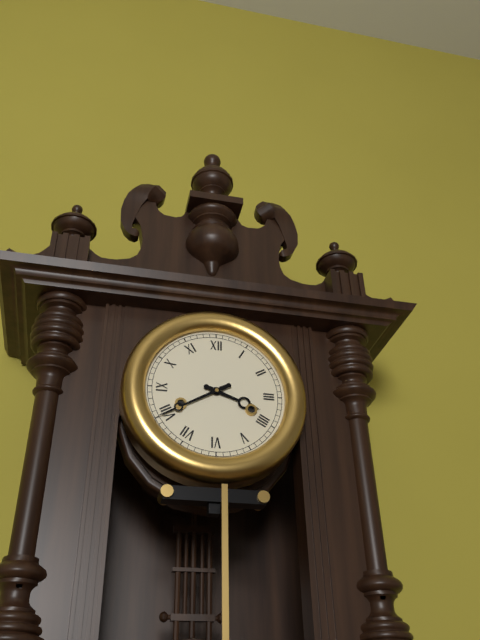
3:40
